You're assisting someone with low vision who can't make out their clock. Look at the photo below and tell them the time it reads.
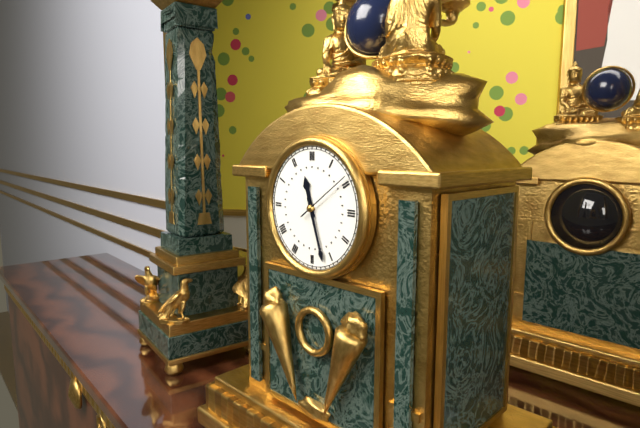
11:27:09
